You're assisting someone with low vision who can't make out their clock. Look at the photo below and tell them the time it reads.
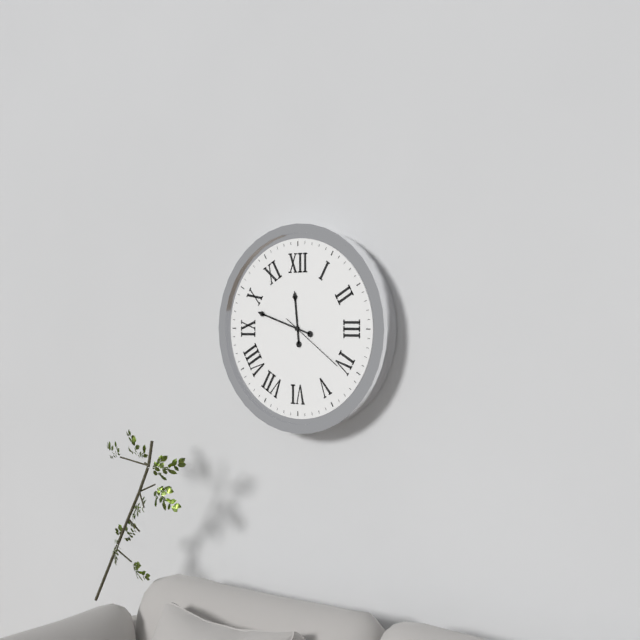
11:48:21
